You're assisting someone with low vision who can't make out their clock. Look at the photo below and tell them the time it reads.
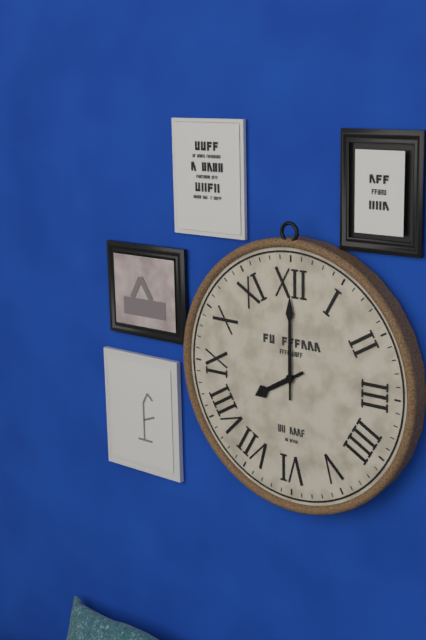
8:00
